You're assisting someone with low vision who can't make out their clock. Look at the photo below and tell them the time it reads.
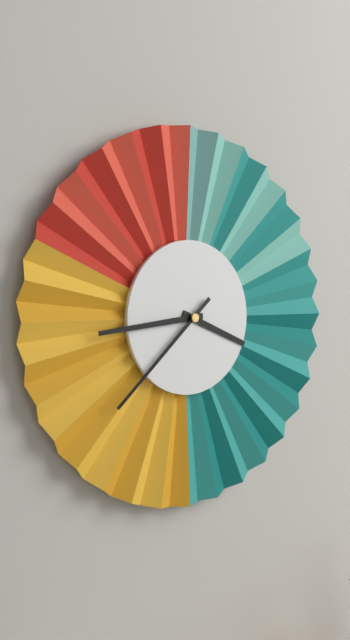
3:44:38
